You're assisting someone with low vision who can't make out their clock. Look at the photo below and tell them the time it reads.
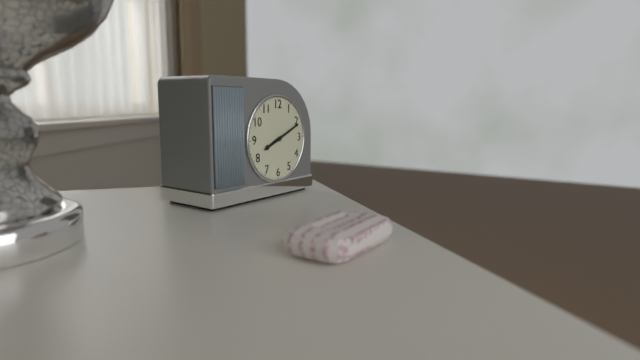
8:11
